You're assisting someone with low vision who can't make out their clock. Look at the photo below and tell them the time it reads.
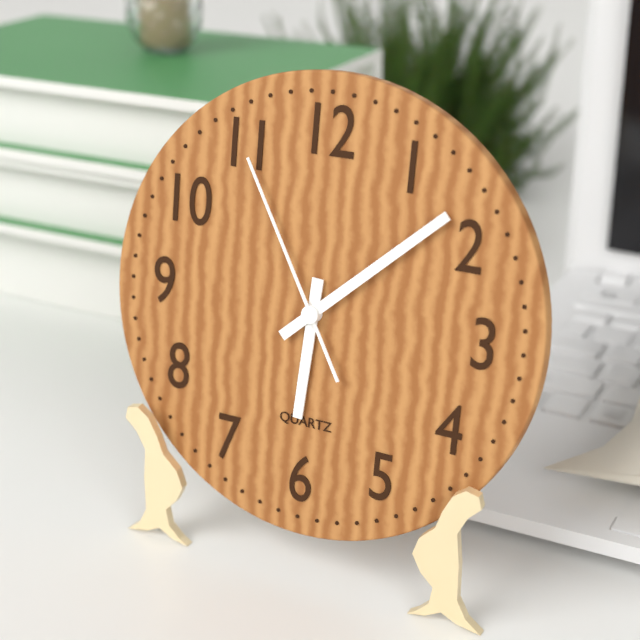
6:08:55
